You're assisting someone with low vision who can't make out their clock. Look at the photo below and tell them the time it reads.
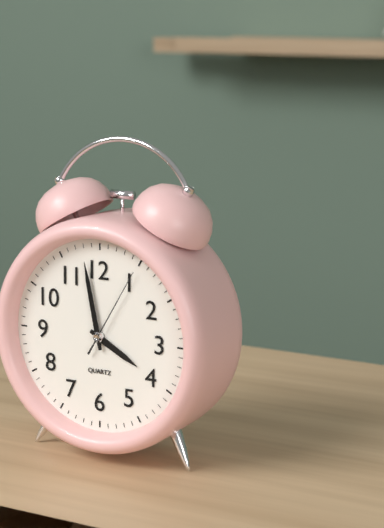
3:58:05
